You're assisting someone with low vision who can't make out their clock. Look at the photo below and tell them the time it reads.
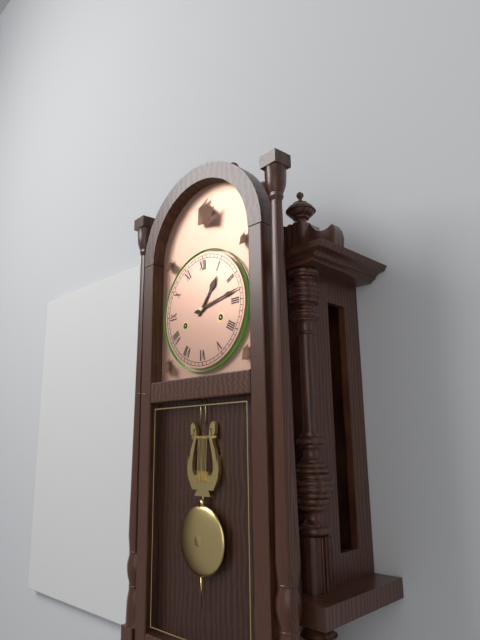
1:13
